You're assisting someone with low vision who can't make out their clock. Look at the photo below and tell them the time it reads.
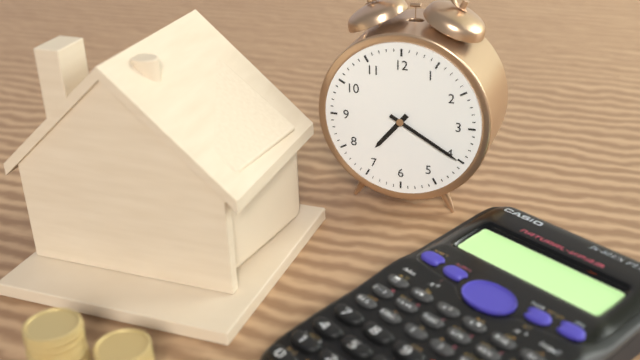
7:20
